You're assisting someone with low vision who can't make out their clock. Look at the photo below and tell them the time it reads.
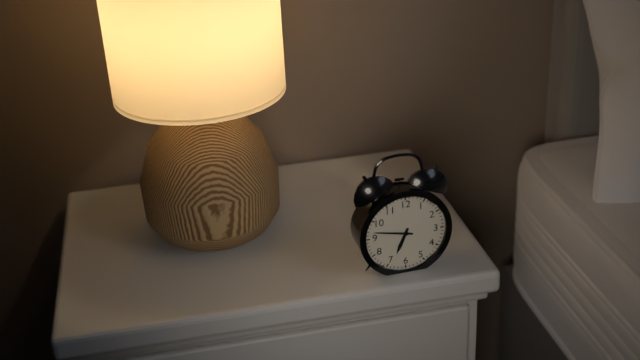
6:47
